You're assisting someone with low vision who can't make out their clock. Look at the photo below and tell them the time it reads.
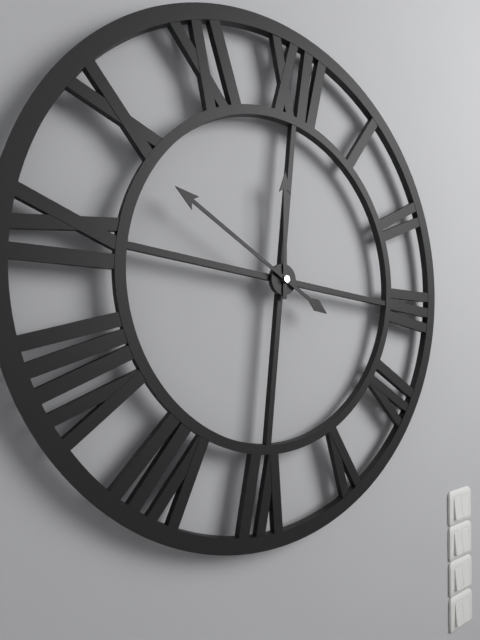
11:49
